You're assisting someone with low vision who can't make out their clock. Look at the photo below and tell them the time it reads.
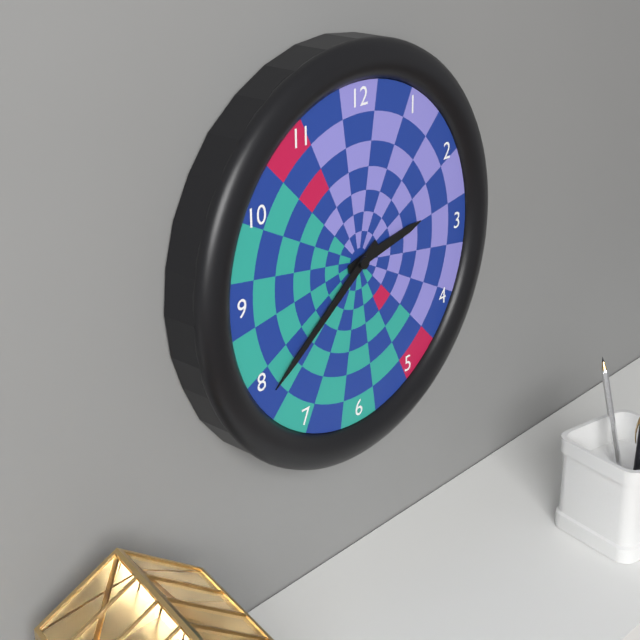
2:39
